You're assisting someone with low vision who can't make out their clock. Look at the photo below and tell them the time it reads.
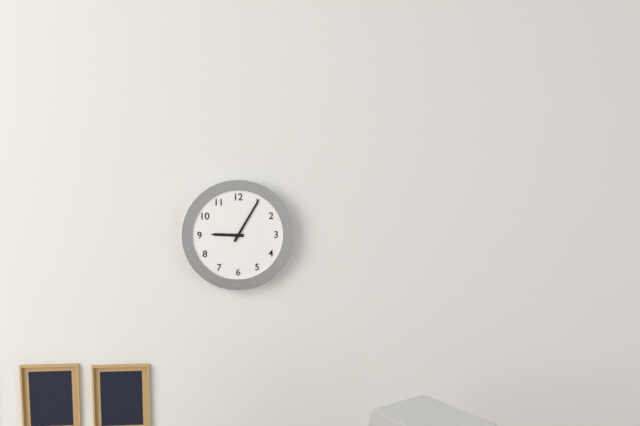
9:05
